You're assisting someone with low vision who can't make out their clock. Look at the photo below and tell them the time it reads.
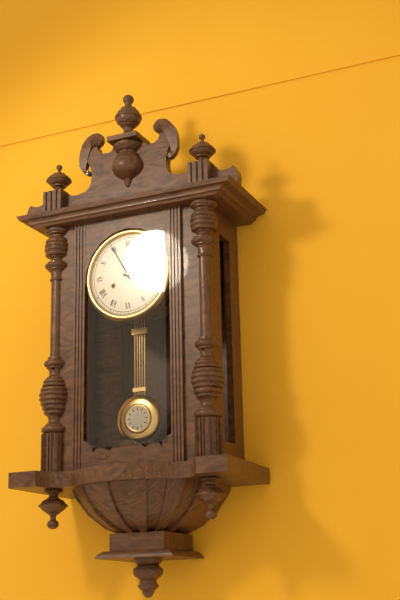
2:55
